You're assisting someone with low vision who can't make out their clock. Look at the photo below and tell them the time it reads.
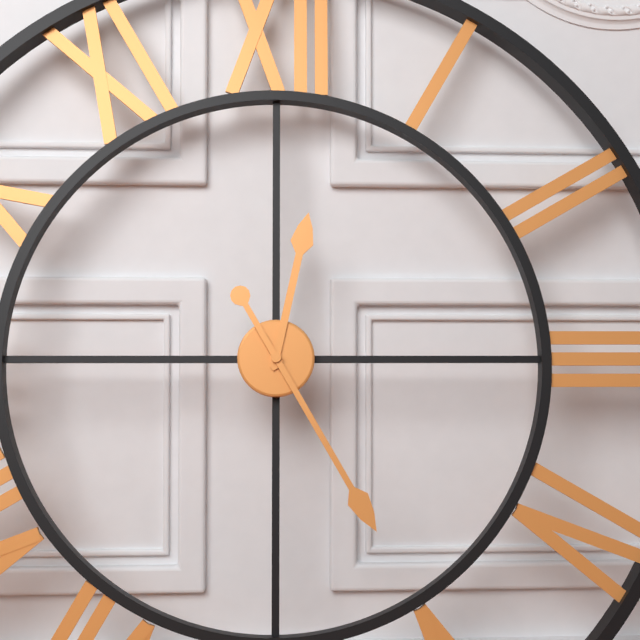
12:25
